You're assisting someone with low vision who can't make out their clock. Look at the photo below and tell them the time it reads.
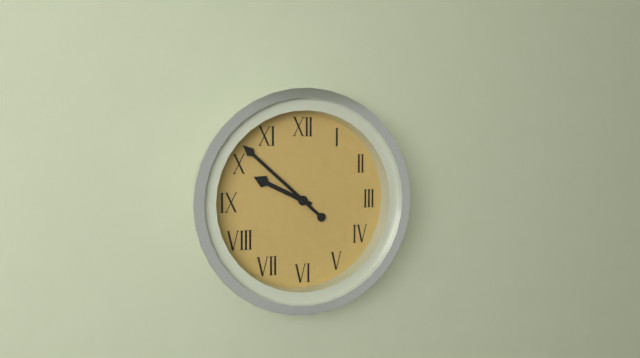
9:52
